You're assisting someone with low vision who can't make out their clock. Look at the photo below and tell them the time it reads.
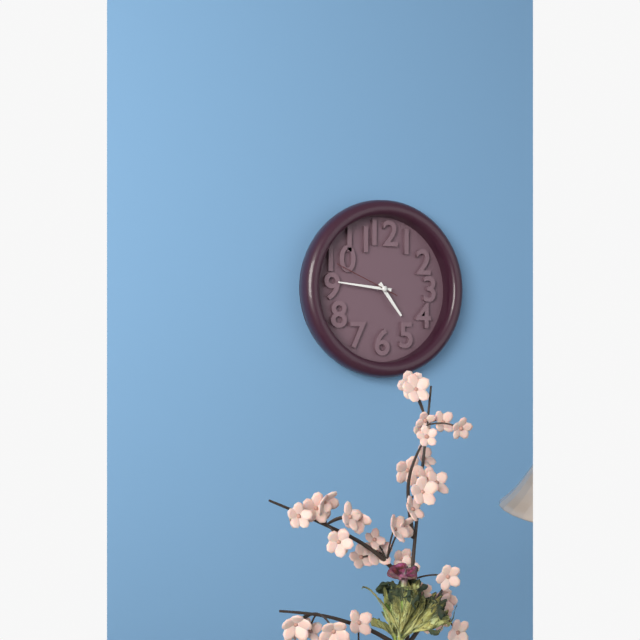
4:46:49
